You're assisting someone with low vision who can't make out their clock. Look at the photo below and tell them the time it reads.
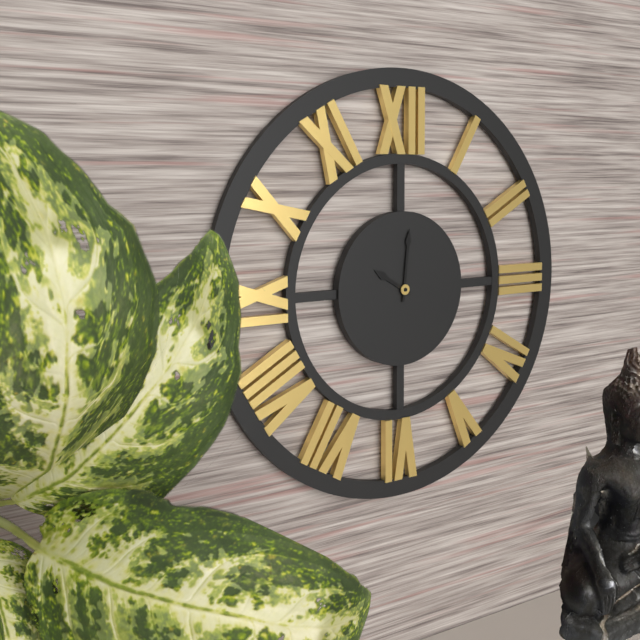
10:01
